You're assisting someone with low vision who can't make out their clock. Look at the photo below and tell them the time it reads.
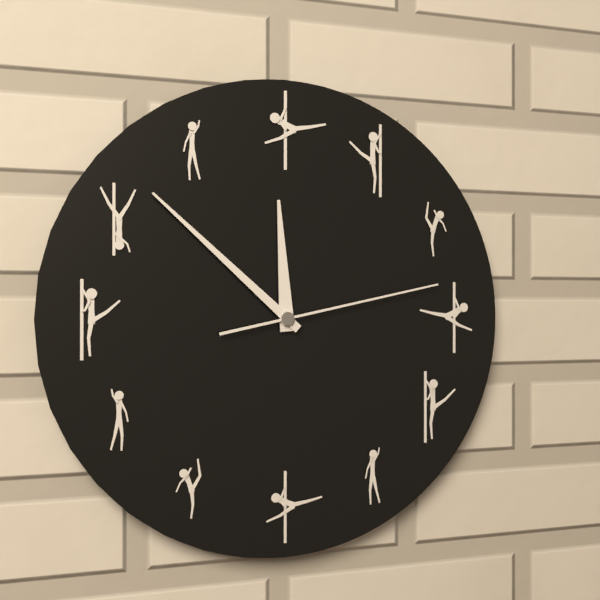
11:52:13
